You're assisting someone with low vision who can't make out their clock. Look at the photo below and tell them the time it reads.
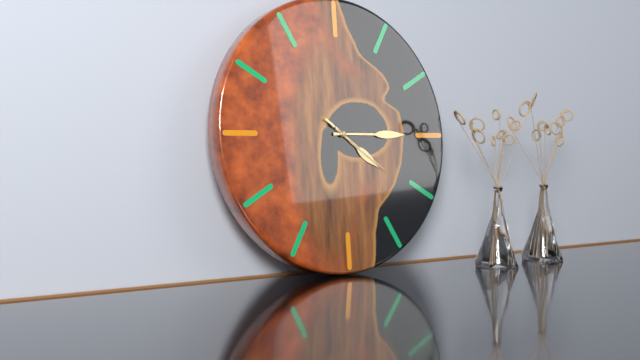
4:15:21
